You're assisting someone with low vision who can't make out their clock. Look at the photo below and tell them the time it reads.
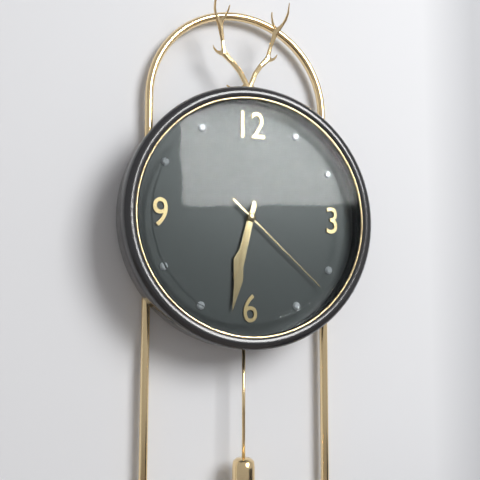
6:32:22
